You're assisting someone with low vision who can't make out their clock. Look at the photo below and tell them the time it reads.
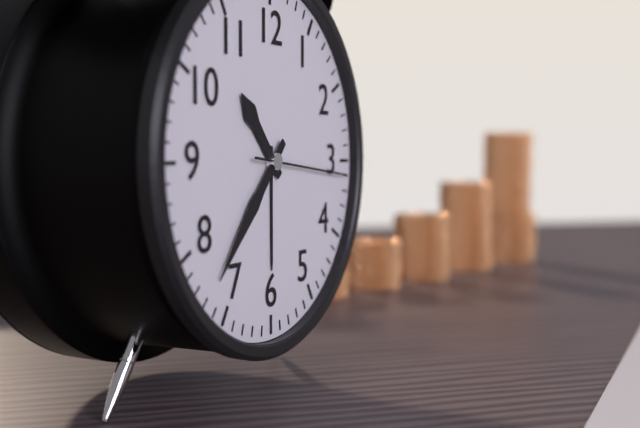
10:37:16
